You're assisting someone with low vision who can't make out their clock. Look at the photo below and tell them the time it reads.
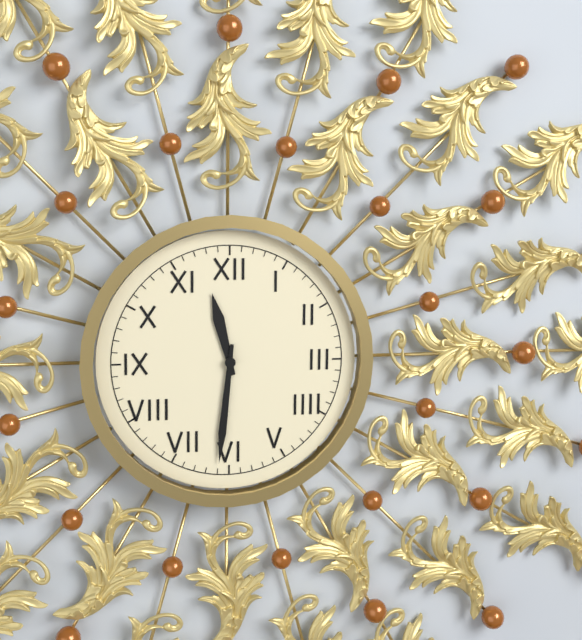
11:31
